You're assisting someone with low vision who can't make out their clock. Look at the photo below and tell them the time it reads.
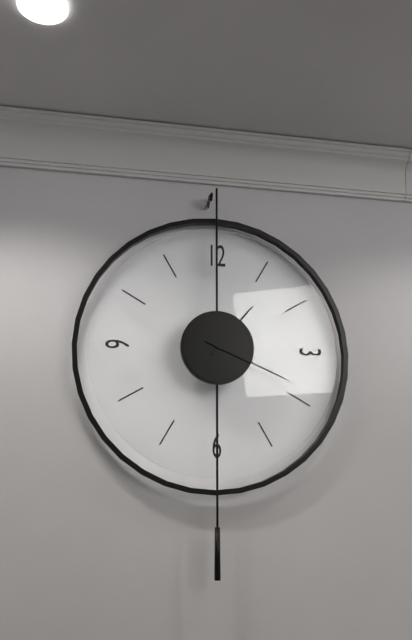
1:19
